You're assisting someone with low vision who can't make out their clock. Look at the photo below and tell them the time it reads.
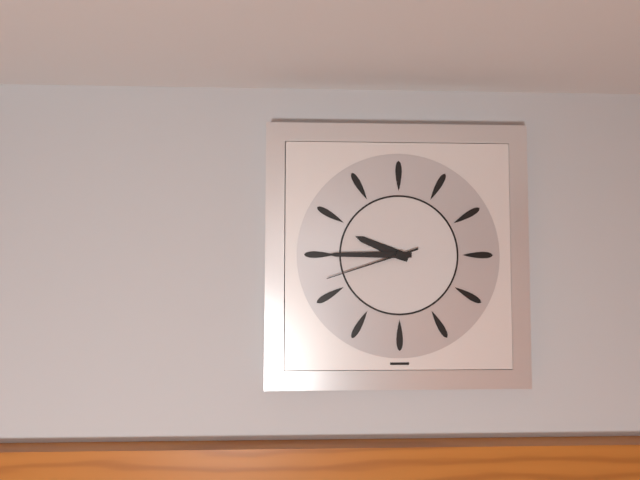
9:45:42
